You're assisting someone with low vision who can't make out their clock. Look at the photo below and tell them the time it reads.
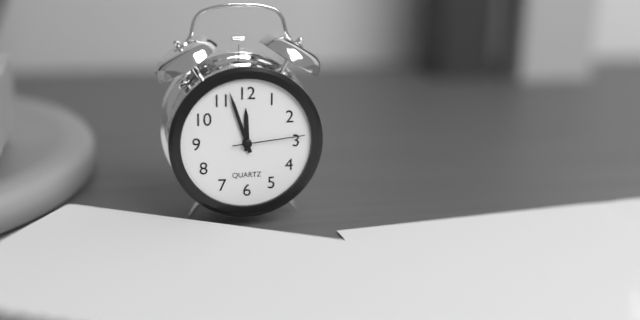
11:57:14
